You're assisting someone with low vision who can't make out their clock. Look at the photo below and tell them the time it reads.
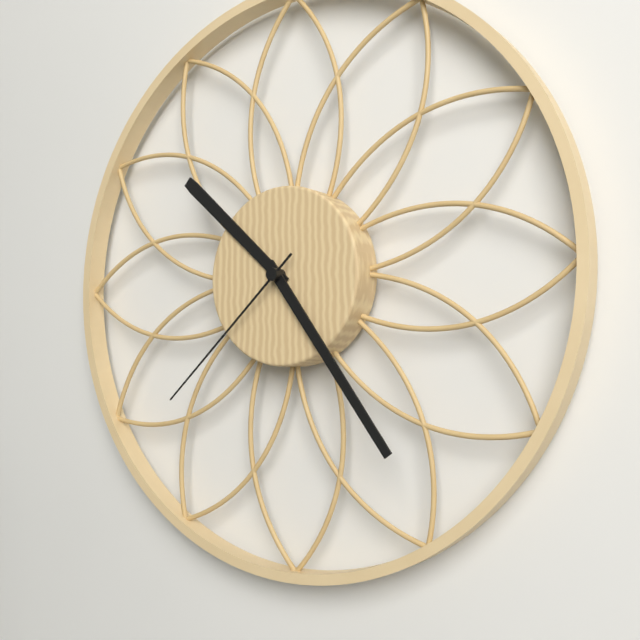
10:24:38
